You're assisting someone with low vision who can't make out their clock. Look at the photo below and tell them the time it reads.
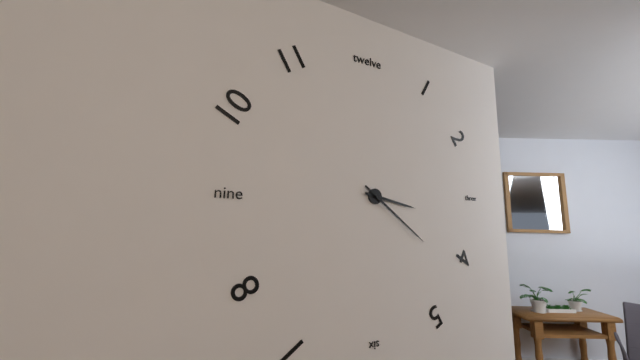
3:21
